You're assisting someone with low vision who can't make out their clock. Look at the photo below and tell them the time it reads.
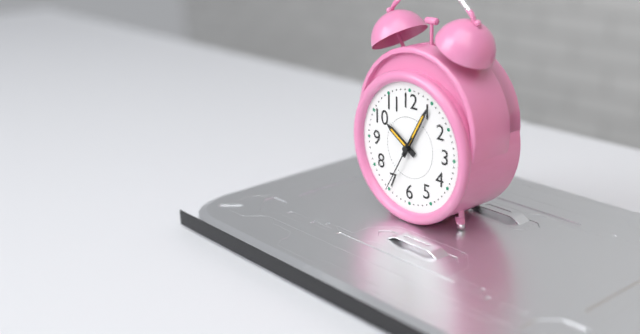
10:05:35
